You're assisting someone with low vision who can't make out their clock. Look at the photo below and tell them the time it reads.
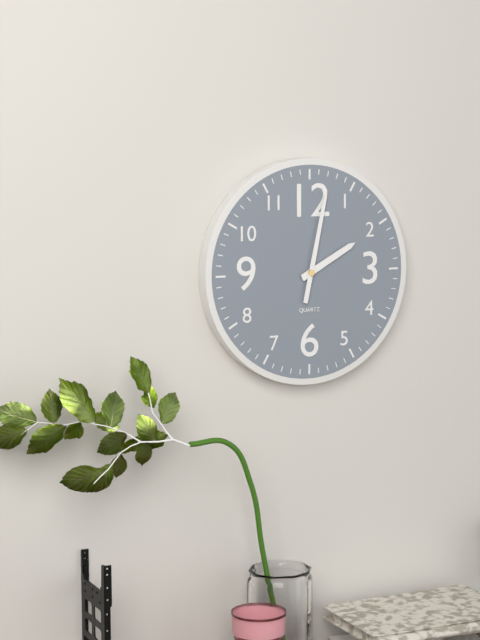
2:02
